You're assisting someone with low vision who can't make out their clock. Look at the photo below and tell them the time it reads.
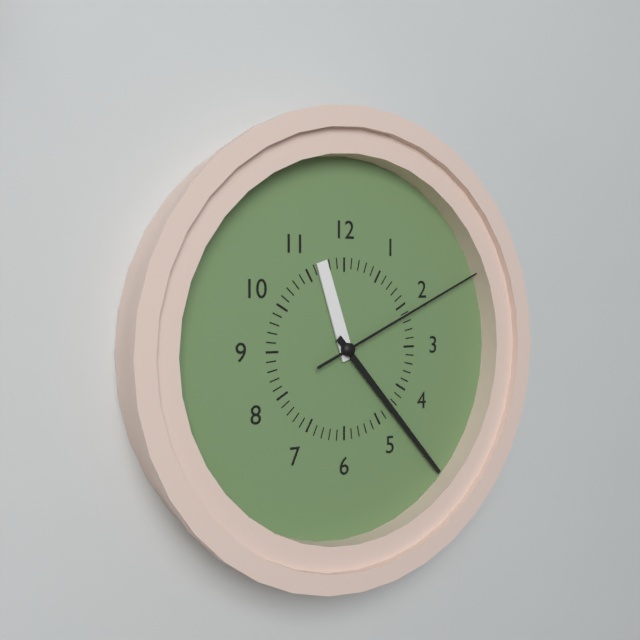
11:23:11
